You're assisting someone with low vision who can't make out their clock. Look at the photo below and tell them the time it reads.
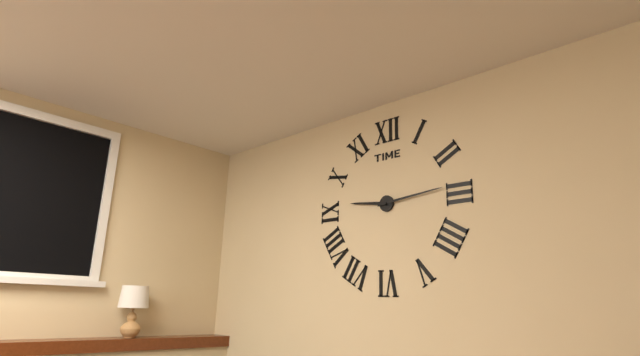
9:14
